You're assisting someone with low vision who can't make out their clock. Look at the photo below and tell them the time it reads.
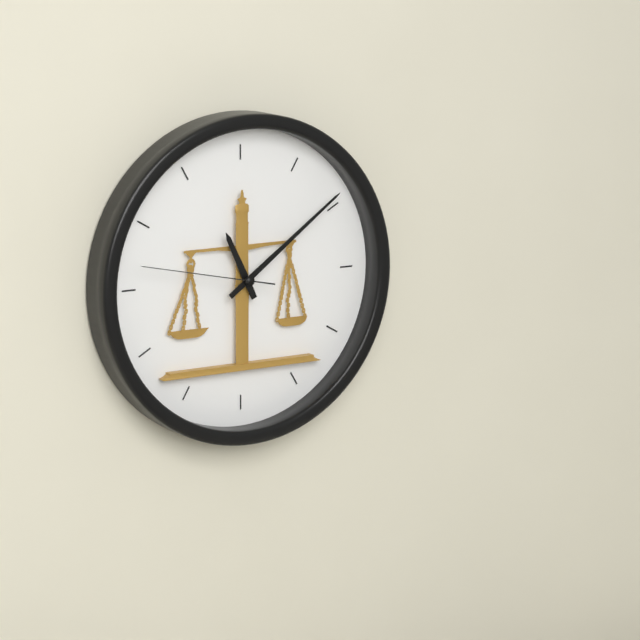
11:09:47
